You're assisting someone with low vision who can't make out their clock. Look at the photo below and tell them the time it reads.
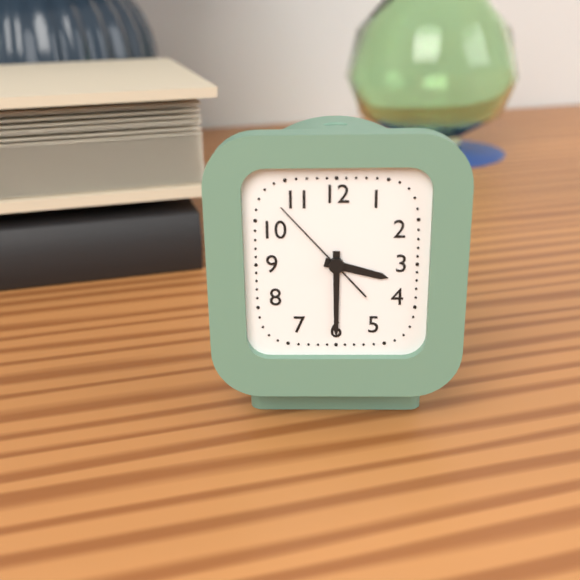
3:30:53
